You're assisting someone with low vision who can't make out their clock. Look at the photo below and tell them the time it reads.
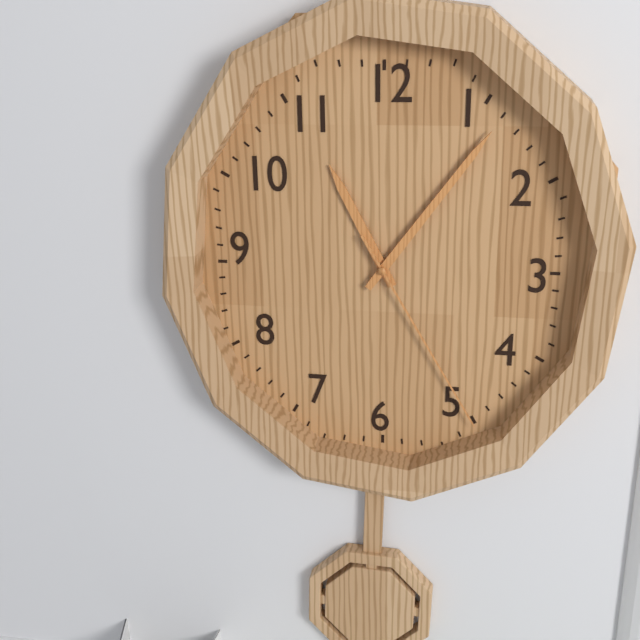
11:06:25
